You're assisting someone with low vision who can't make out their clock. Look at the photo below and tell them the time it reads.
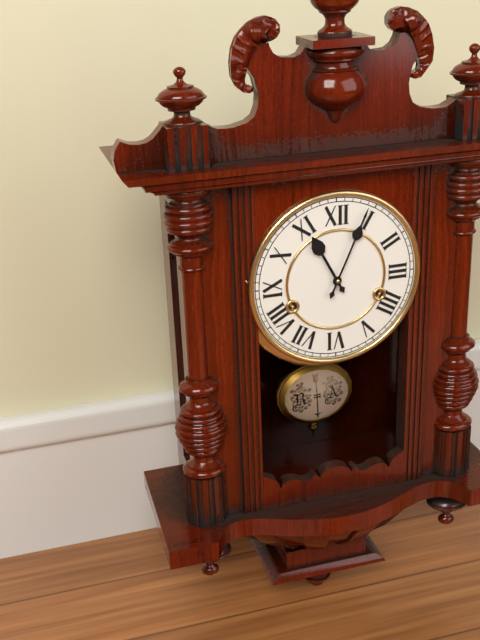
11:04
